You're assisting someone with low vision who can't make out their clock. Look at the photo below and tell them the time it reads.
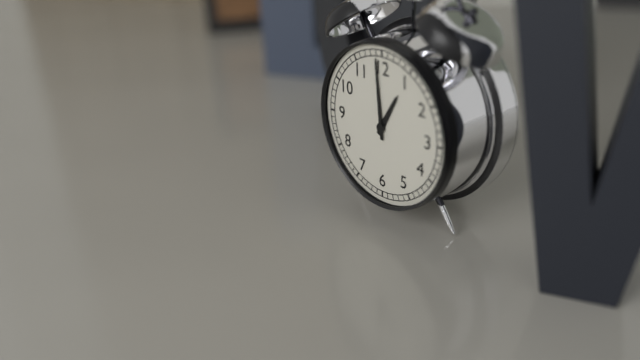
12:59
